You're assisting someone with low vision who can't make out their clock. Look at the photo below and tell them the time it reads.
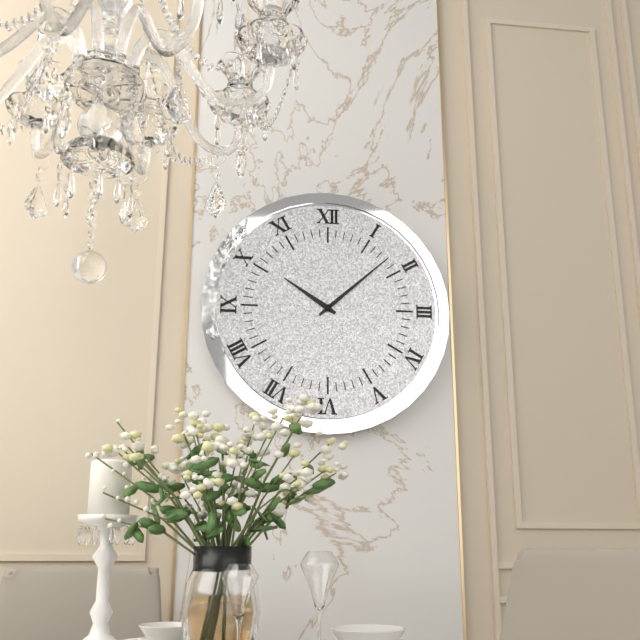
10:08
